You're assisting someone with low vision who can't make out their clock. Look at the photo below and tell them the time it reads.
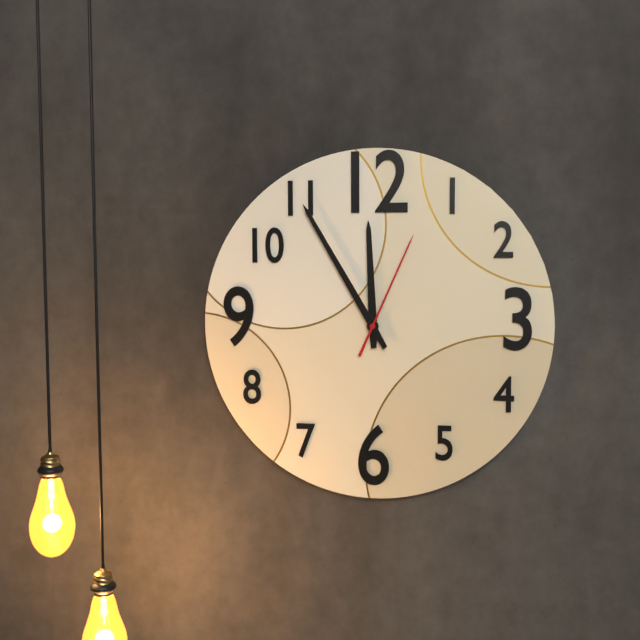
11:55:04
